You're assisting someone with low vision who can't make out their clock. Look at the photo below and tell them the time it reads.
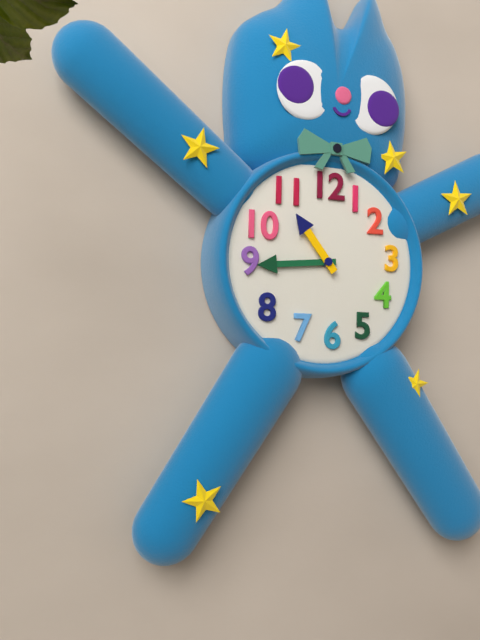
10:44
